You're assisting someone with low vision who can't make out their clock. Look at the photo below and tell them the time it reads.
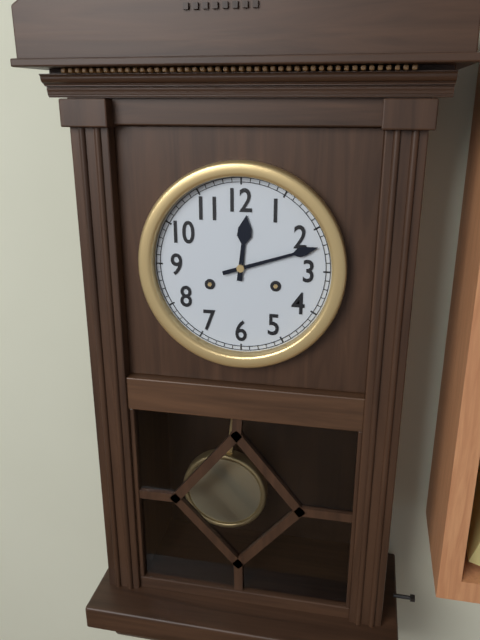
12:12
